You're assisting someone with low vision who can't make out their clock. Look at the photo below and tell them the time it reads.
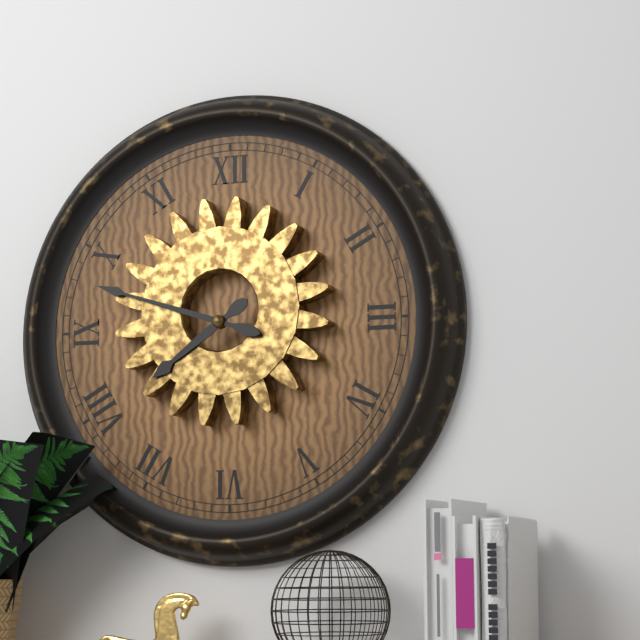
7:48
